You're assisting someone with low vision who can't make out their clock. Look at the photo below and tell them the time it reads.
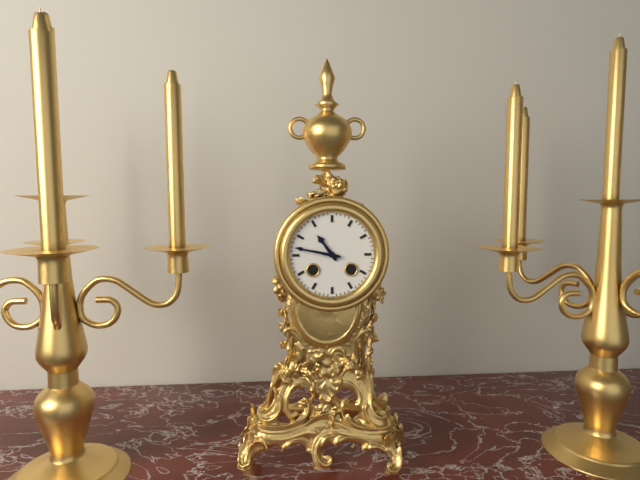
10:47
